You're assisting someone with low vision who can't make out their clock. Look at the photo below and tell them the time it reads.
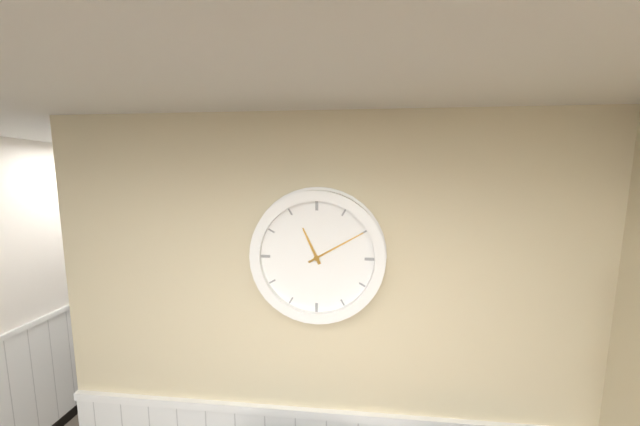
11:10
